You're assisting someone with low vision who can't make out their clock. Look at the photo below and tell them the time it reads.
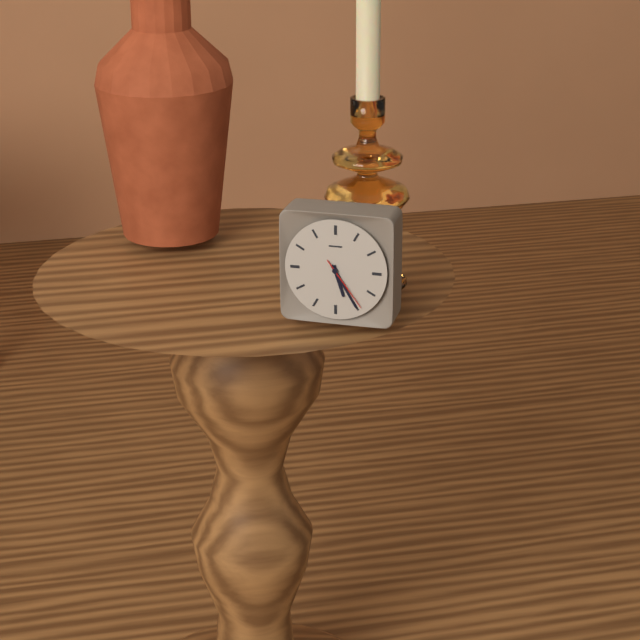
5:25:24
